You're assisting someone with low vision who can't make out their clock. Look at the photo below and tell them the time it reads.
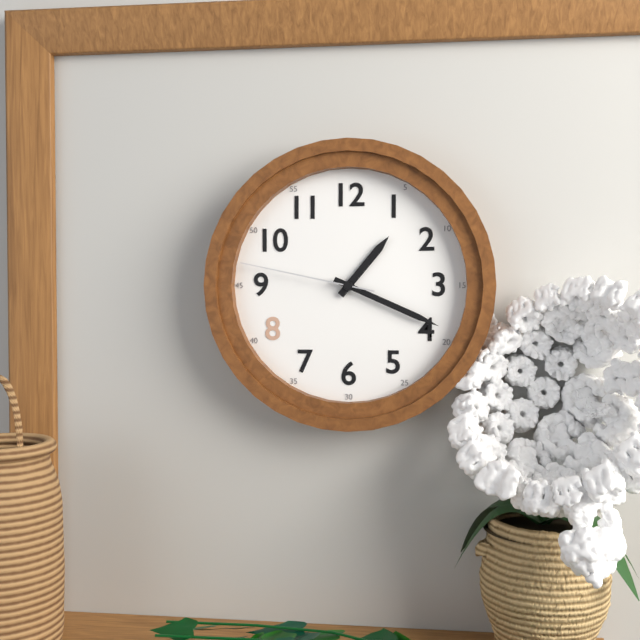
1:19:47
